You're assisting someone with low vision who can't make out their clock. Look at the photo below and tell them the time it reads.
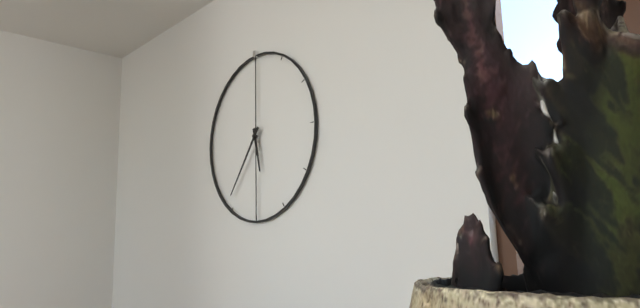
5:36
